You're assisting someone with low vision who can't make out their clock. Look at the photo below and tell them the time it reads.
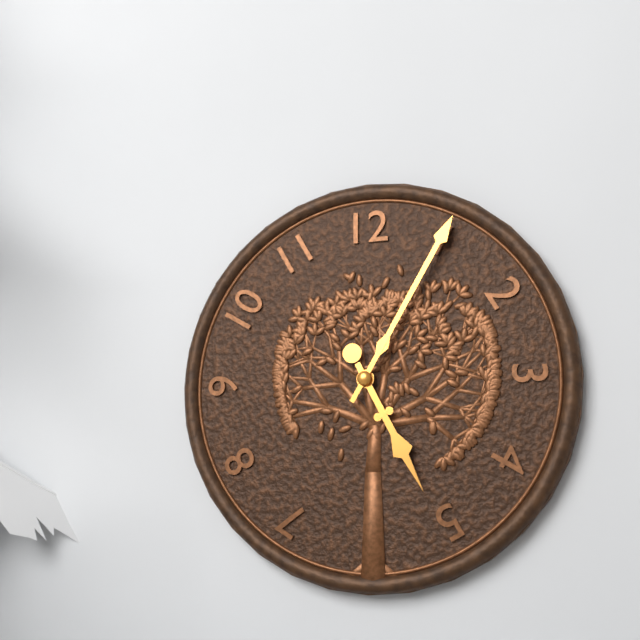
5:05
